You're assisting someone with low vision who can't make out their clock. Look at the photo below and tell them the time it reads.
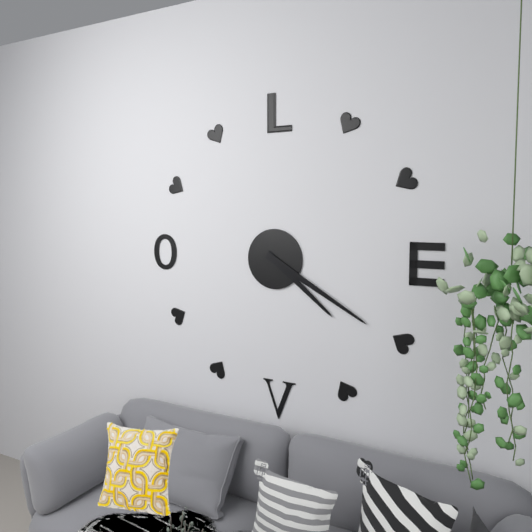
4:20
